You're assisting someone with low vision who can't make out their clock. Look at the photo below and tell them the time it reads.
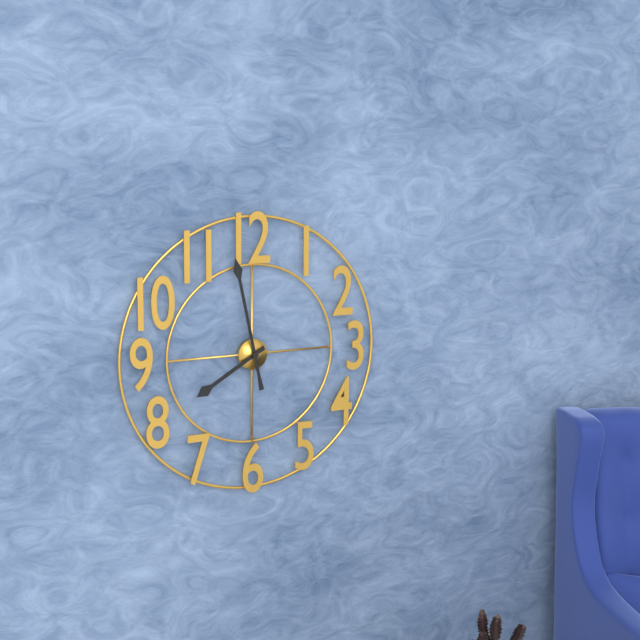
7:58
